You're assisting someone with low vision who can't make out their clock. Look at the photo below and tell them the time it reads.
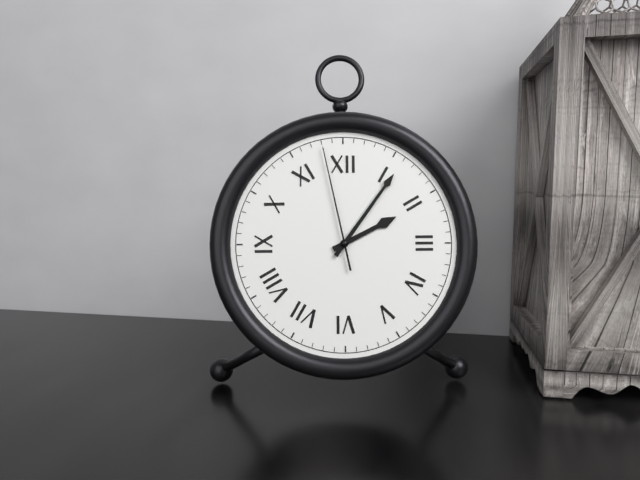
2:06:58
